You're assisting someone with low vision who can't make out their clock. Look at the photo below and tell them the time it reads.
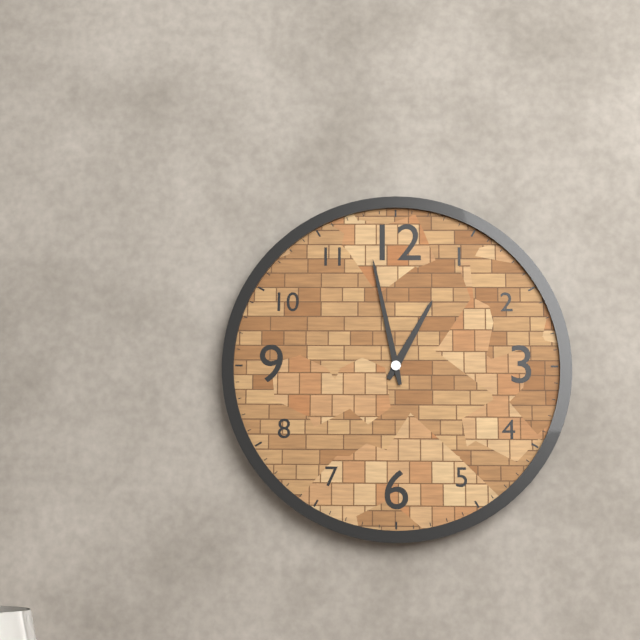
12:58
